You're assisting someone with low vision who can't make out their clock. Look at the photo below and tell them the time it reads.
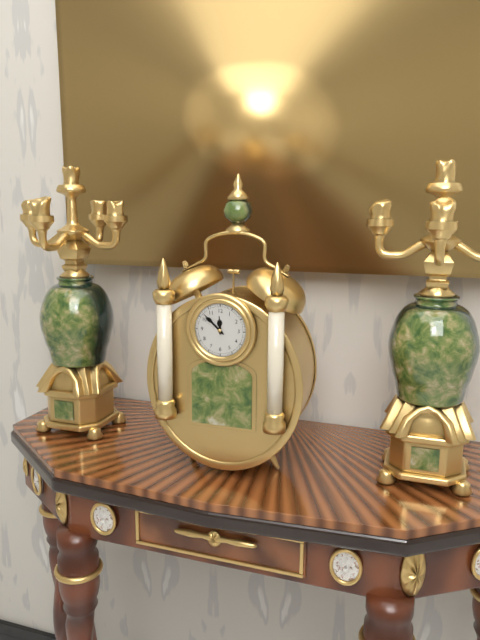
11:52
